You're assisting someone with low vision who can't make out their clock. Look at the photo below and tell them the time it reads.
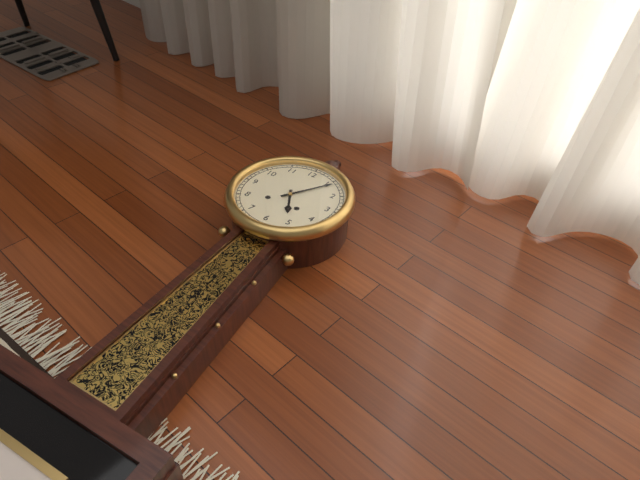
5:06
